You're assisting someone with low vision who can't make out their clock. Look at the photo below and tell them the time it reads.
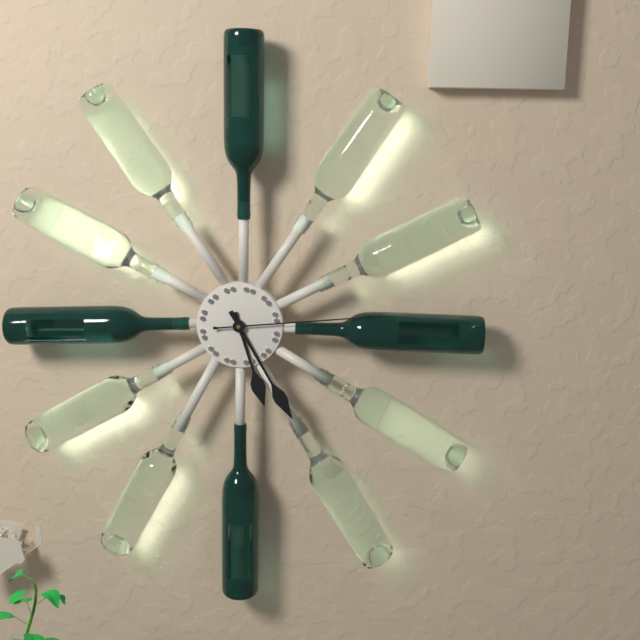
5:25:14
